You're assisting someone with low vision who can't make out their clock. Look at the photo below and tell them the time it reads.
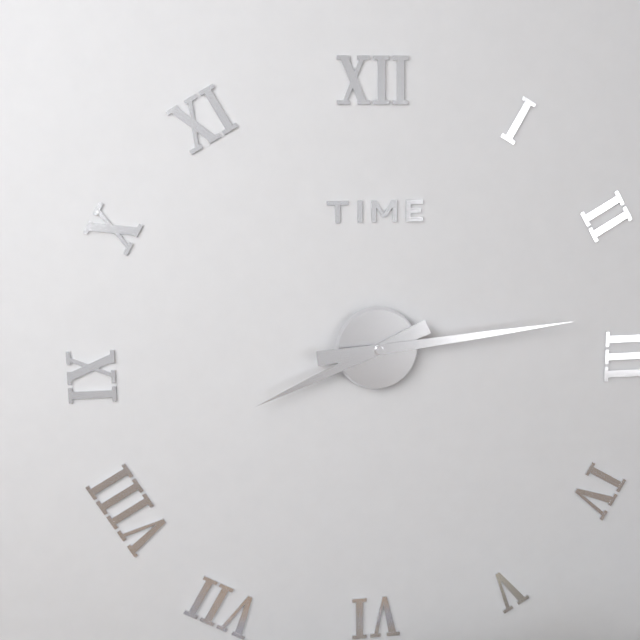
8:14
